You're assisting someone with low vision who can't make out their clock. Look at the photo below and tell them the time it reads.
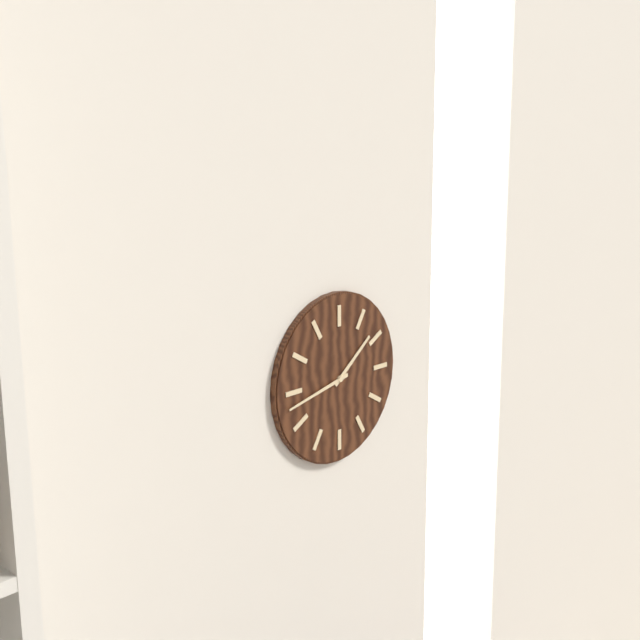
1:43
